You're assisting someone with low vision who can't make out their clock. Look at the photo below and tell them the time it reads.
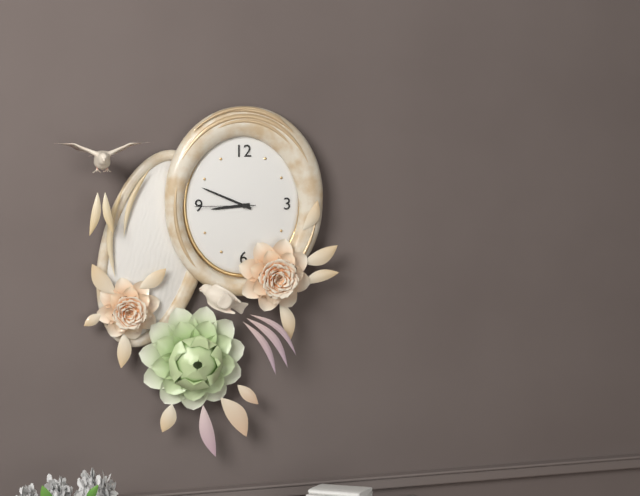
8:49:45
